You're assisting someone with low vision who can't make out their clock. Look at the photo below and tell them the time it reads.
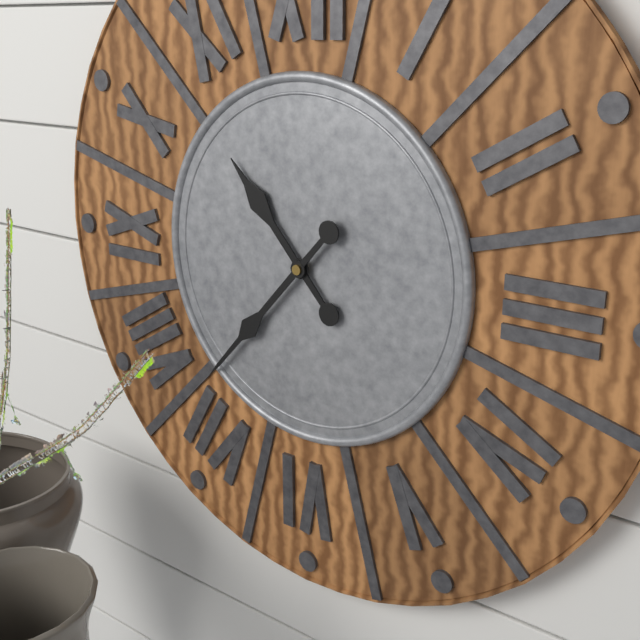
10:37
